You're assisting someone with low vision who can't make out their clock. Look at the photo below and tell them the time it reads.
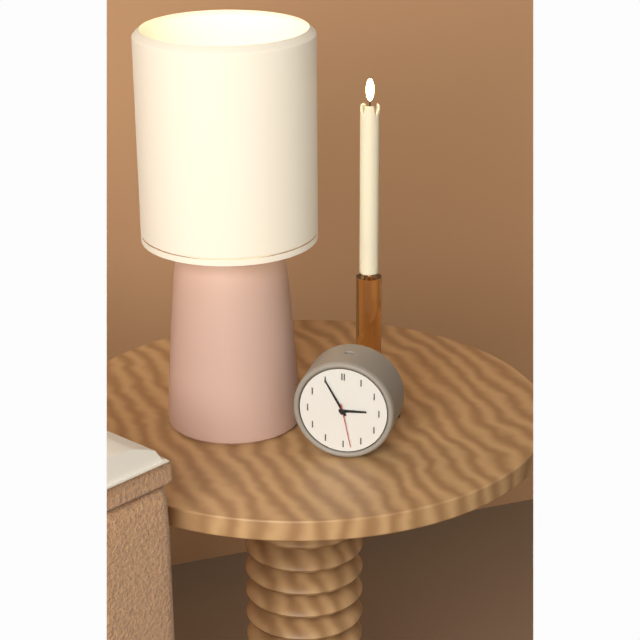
2:55
